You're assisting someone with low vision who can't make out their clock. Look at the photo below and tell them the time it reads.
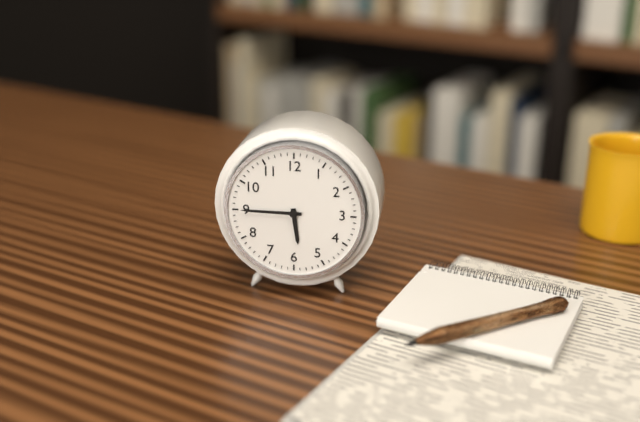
5:45
